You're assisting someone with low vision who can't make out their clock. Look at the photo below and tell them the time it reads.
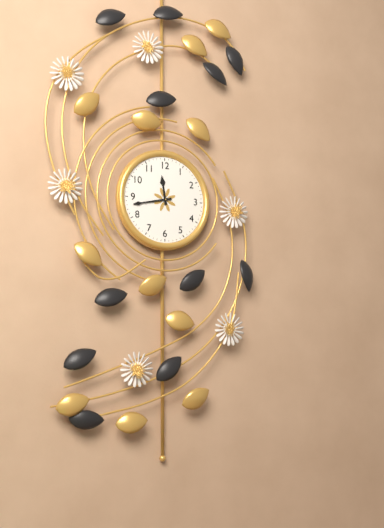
11:43
